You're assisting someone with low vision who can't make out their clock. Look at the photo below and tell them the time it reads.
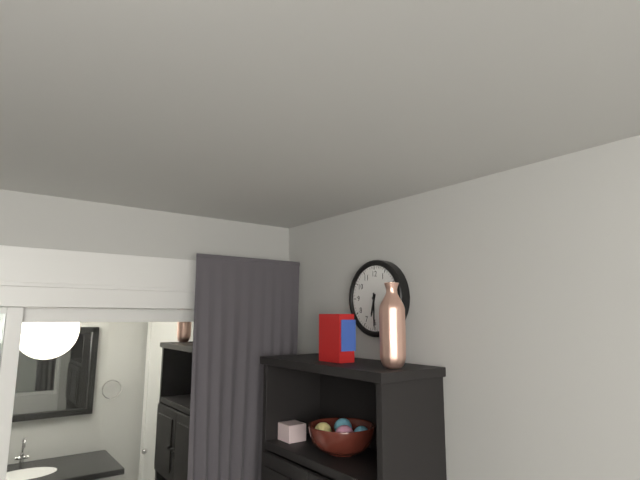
6:30
